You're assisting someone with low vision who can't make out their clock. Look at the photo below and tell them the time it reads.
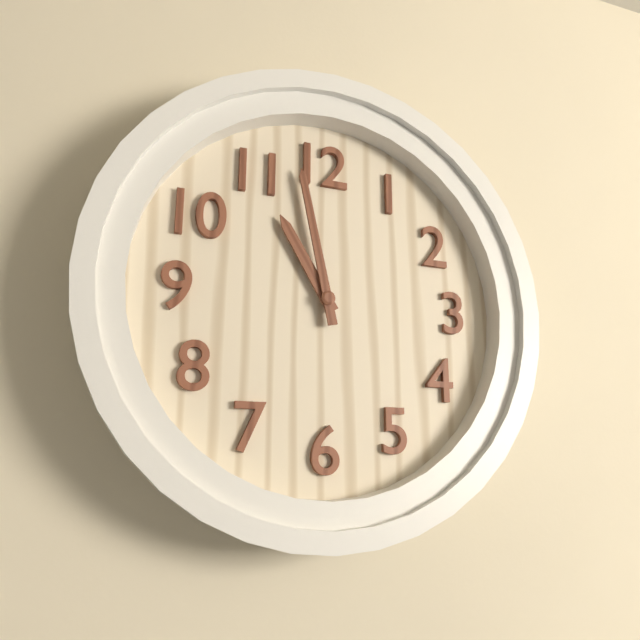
10:58
